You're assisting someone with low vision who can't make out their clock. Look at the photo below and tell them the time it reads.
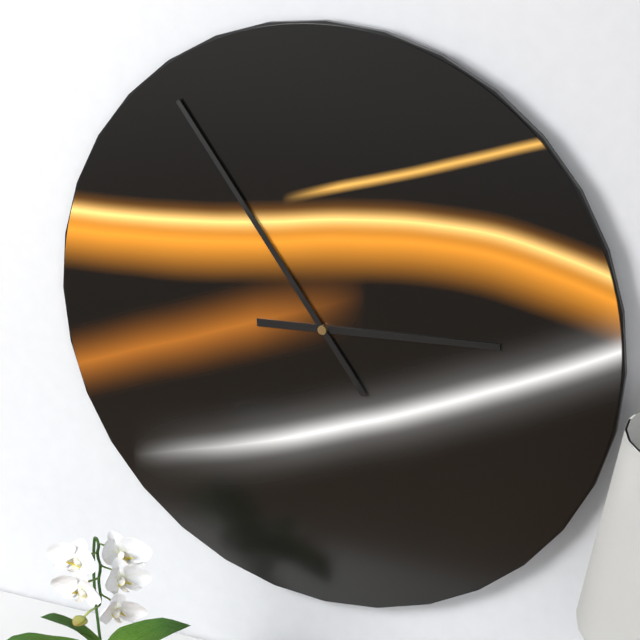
2:54
